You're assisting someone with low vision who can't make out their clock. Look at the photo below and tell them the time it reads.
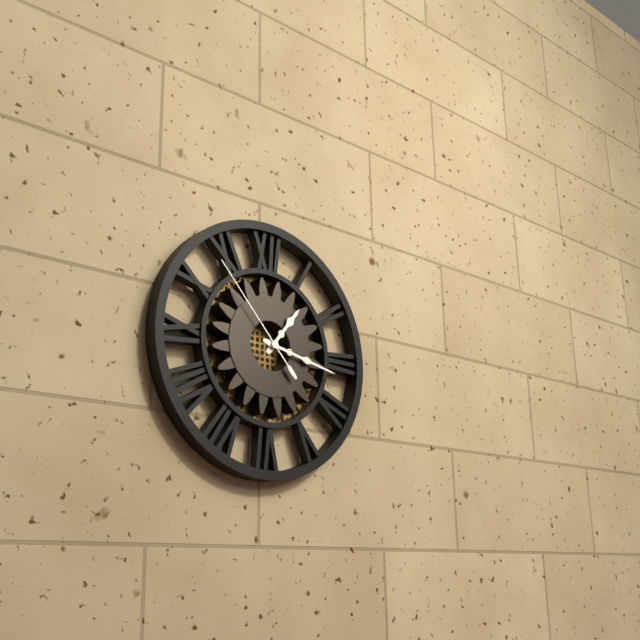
1:17:53
